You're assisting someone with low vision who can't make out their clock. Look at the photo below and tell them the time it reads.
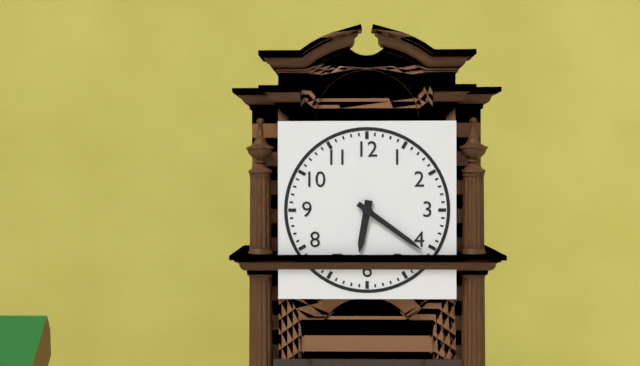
6:21
